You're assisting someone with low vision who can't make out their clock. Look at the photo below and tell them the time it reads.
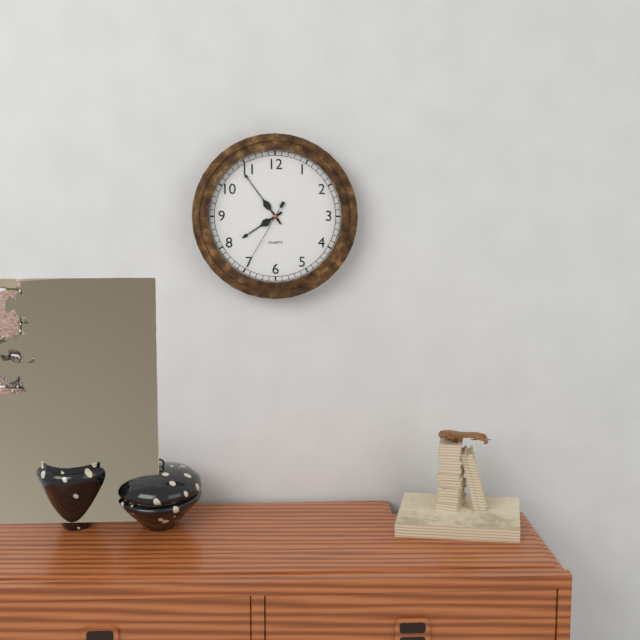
7:54:35
